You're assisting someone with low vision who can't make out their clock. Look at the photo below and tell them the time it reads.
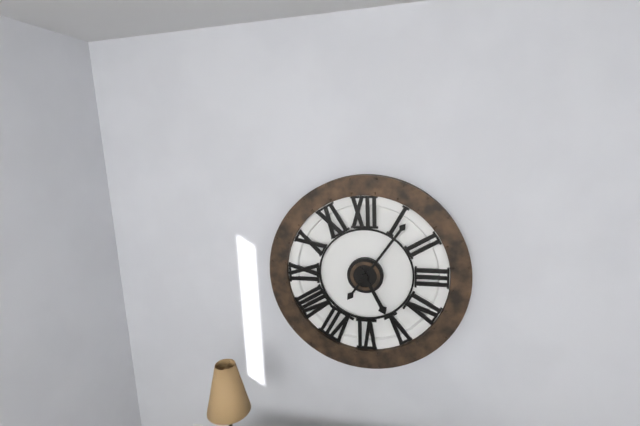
5:06
